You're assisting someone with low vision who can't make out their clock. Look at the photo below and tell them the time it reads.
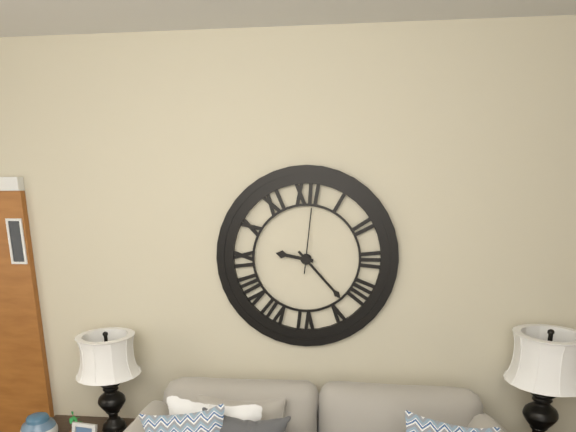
9:23:01
